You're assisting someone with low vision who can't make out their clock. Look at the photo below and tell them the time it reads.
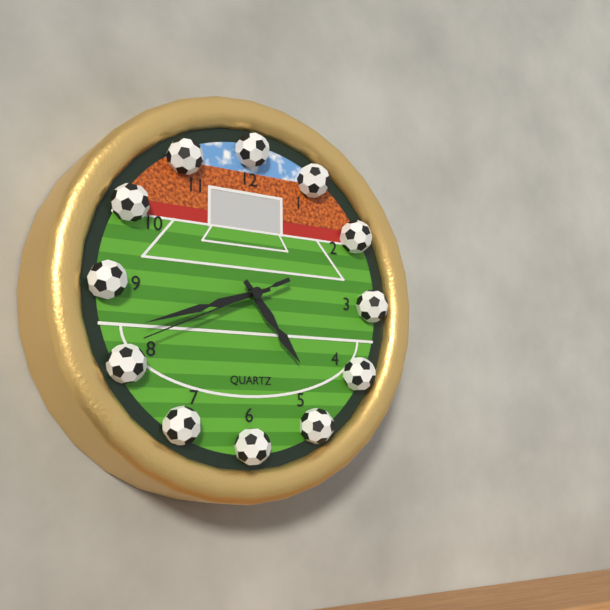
4:42:41
